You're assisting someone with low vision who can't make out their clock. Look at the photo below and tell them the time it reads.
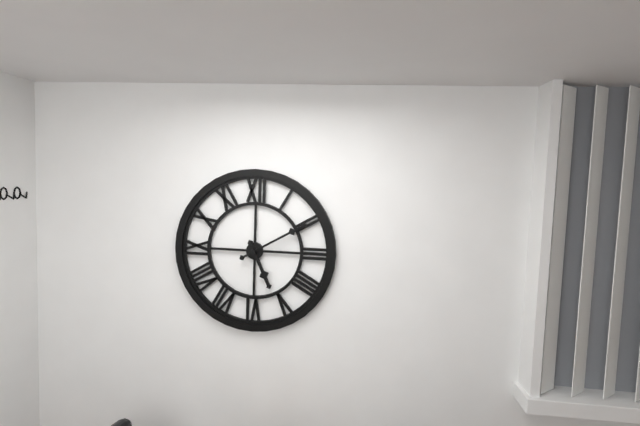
5:10
